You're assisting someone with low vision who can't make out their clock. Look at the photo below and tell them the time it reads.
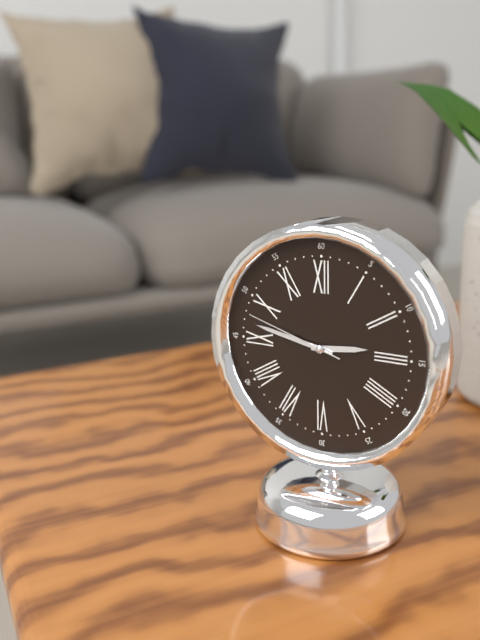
2:47:48
